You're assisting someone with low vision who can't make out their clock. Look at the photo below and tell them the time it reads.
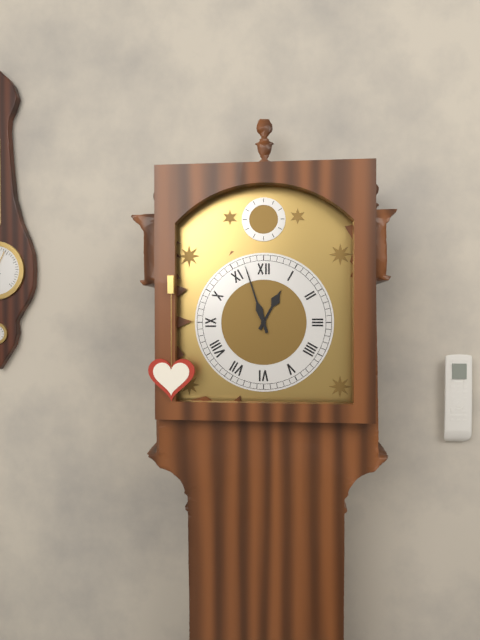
12:57
